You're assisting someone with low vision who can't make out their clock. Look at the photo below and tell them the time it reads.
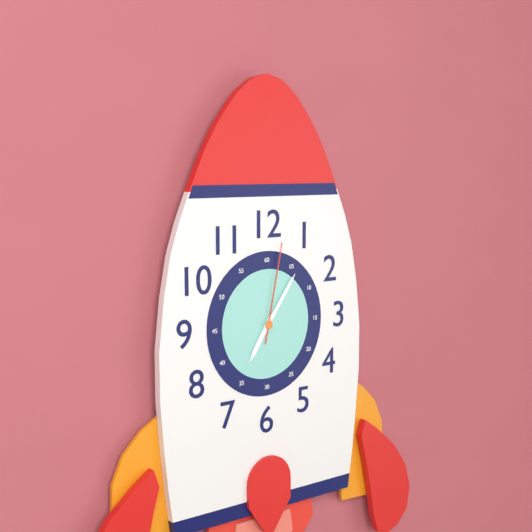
7:06:02
